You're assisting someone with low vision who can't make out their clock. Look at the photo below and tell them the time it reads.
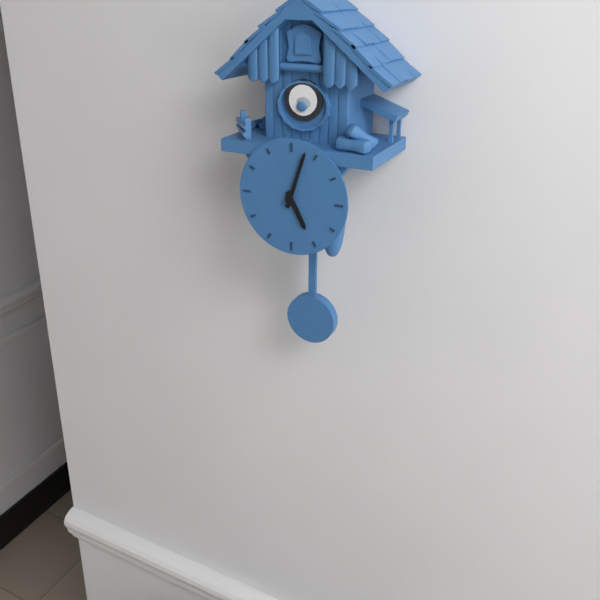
5:03
